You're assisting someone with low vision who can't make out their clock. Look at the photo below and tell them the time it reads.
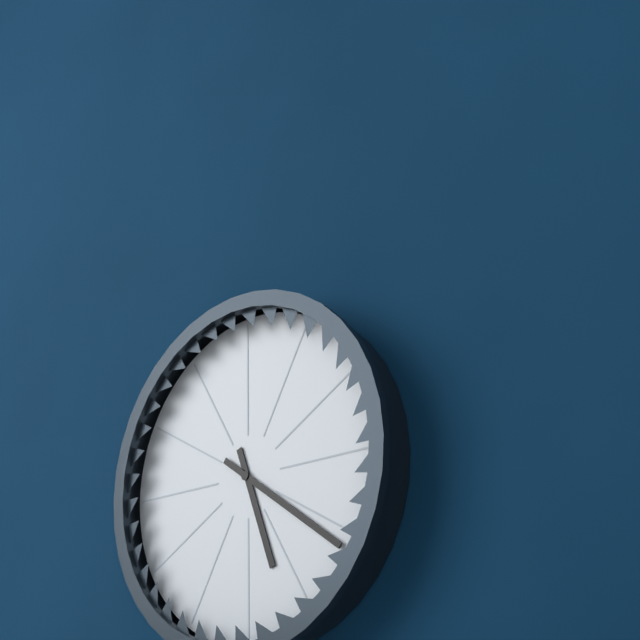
5:21
